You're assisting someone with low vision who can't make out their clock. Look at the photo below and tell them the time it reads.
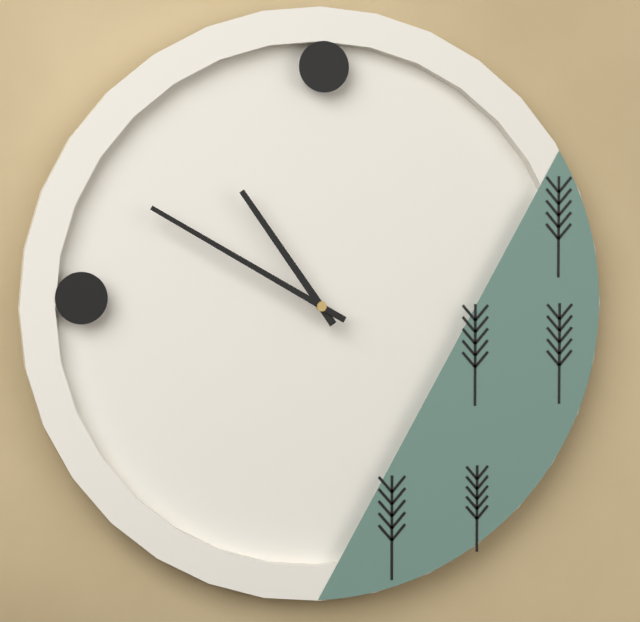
10:50
